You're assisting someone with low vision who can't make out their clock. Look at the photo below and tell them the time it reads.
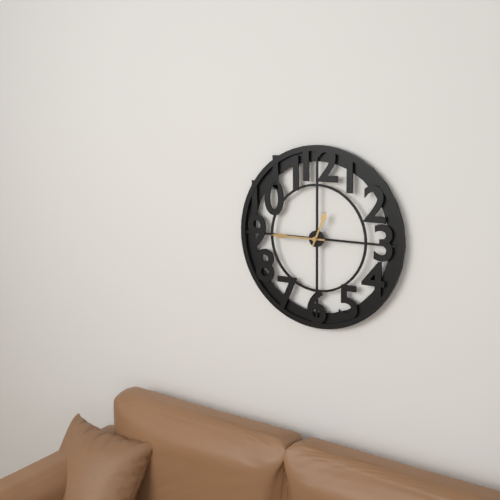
12:45
